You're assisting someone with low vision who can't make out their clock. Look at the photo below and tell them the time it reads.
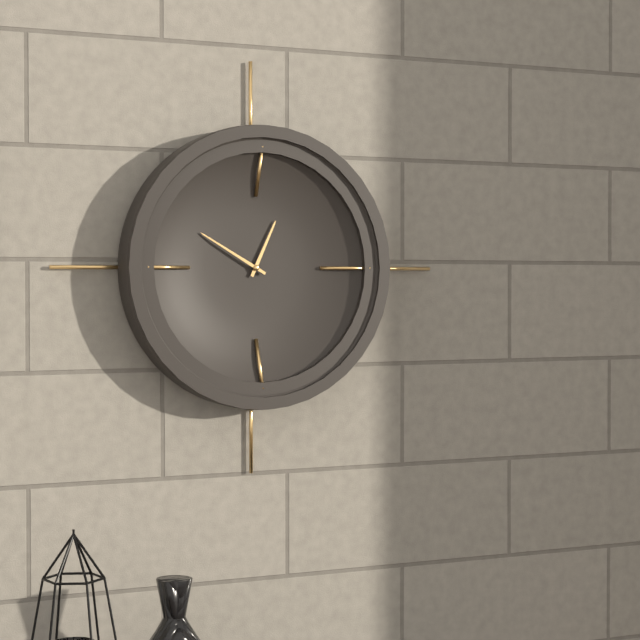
12:50
